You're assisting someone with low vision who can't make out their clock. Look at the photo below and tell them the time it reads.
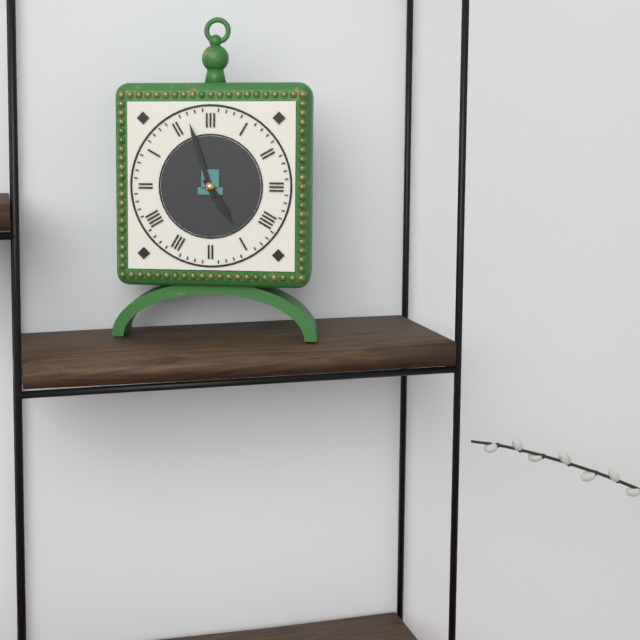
4:57
